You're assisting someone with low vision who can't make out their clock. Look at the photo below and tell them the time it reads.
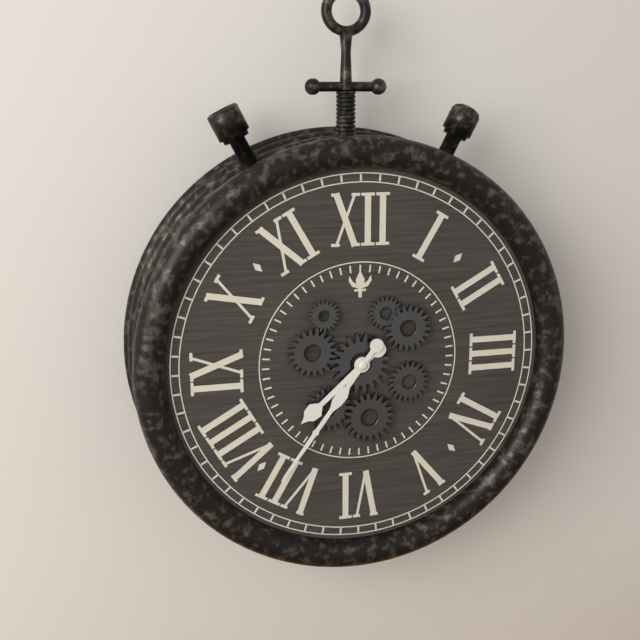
7:36
